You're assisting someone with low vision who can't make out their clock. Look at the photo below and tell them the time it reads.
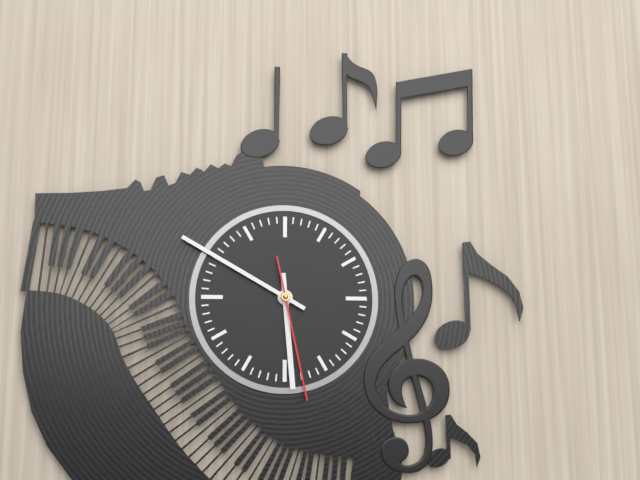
5:50:28
